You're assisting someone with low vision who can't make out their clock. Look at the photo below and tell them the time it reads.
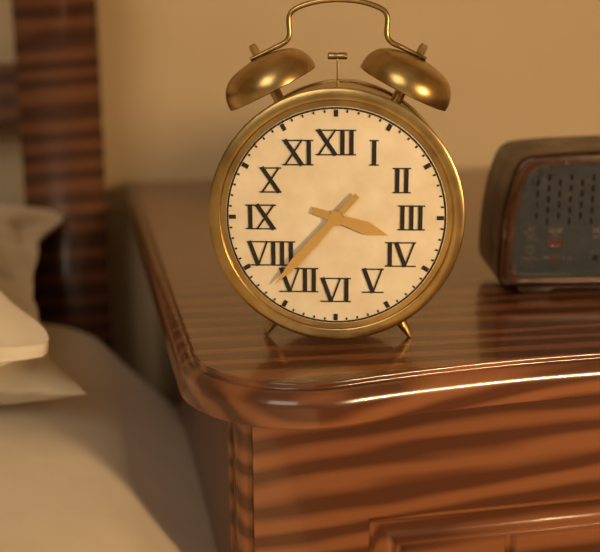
3:37
